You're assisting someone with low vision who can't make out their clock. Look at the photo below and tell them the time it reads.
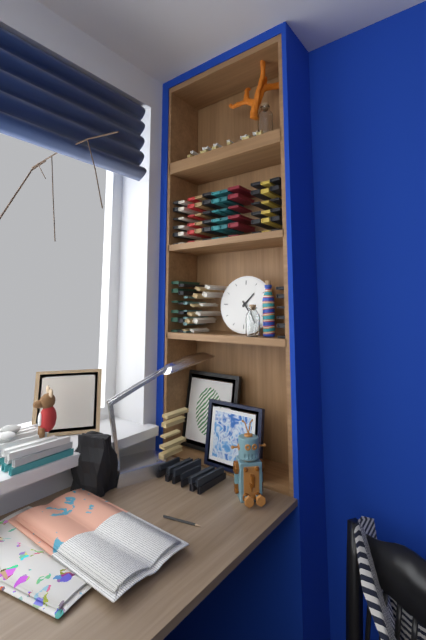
1:24
